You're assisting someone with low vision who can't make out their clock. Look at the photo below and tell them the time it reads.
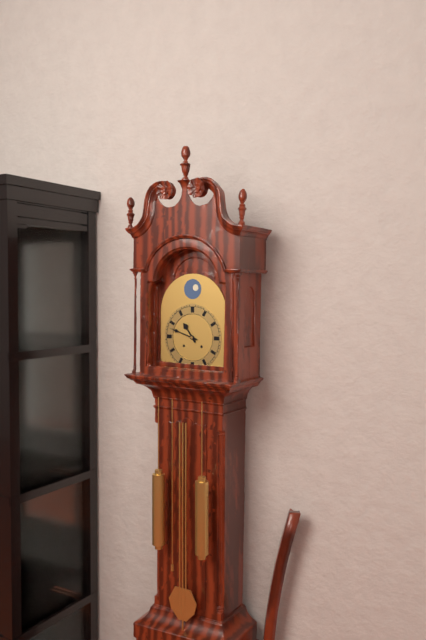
10:48
